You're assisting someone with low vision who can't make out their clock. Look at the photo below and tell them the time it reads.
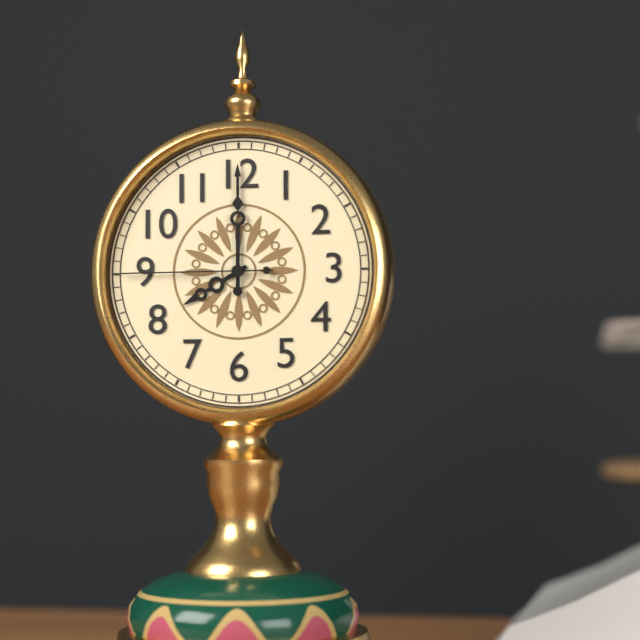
8:00:45
